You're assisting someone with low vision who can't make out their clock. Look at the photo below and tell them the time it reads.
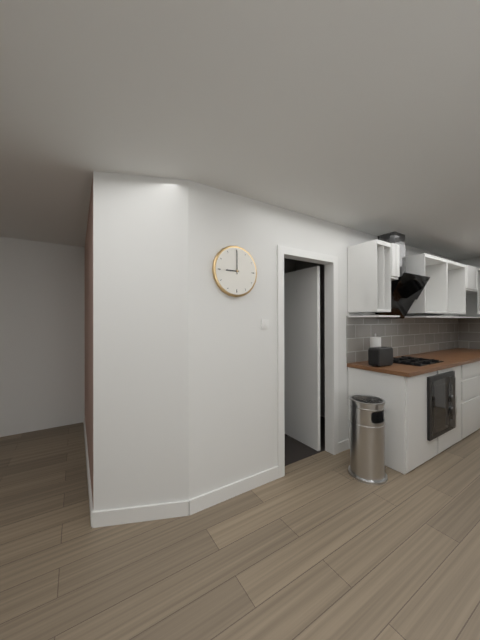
9:00
